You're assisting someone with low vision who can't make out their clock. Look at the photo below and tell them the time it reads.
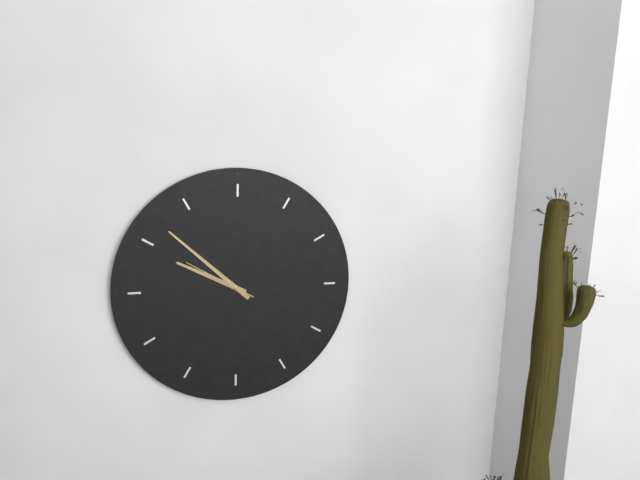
9:52:50
